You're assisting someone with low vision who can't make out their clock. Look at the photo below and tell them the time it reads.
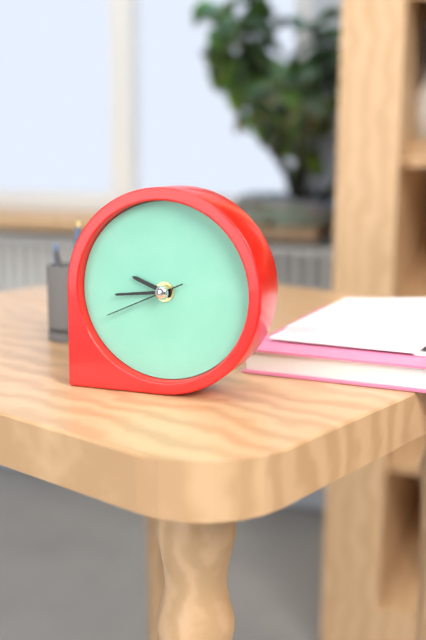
9:44:41
